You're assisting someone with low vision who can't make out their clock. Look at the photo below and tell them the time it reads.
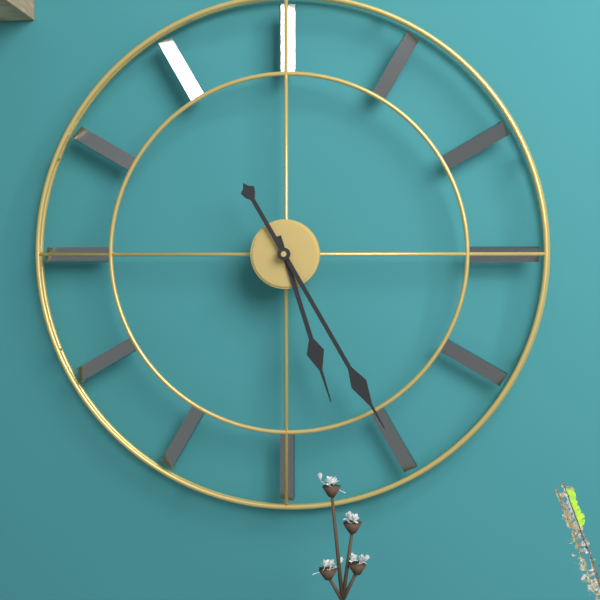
5:25
